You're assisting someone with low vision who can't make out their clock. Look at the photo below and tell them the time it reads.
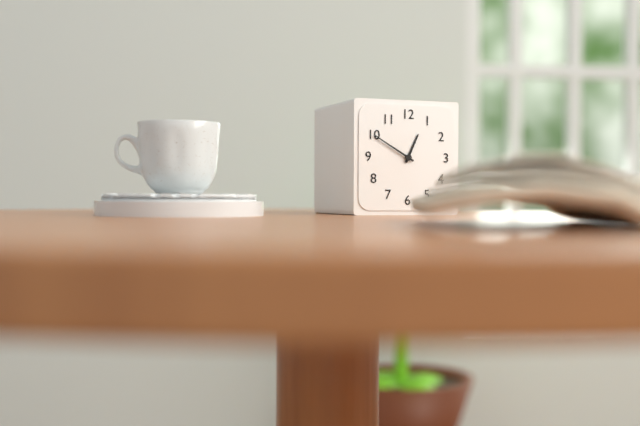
12:50
